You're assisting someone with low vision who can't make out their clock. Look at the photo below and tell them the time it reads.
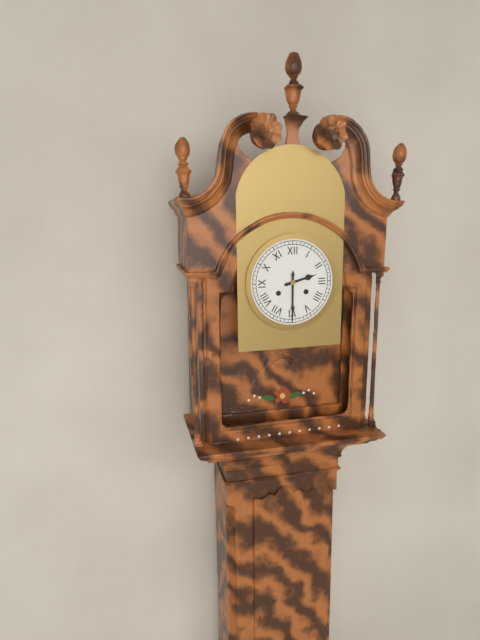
2:30
